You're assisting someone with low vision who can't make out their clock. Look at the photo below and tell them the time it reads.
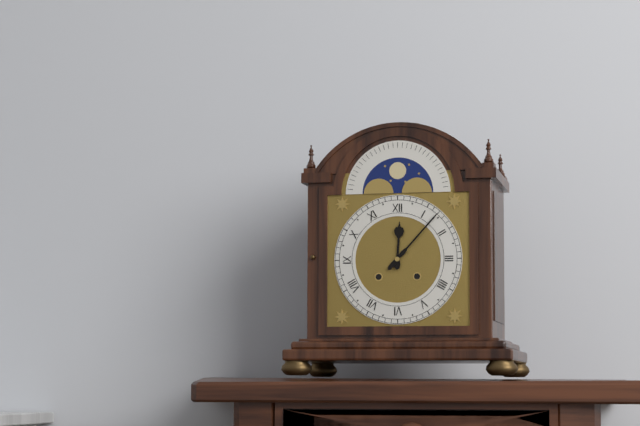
12:07
